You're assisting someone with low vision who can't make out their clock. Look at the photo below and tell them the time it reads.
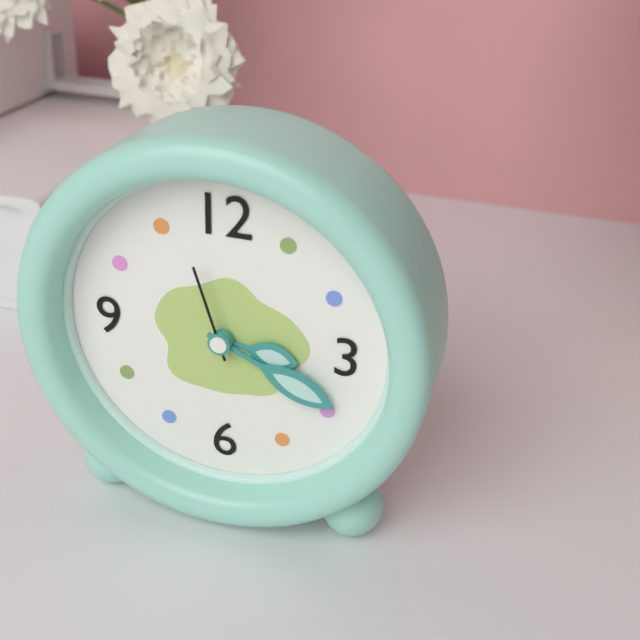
3:19:57
